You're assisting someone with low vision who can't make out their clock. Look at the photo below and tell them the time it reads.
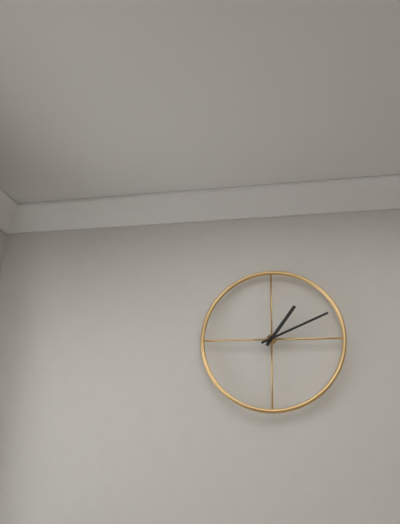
1:11
